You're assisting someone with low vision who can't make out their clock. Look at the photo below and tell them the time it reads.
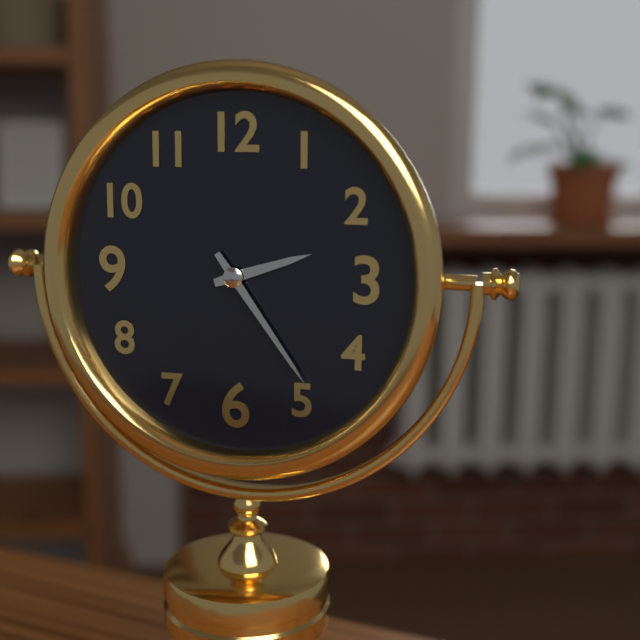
2:24
